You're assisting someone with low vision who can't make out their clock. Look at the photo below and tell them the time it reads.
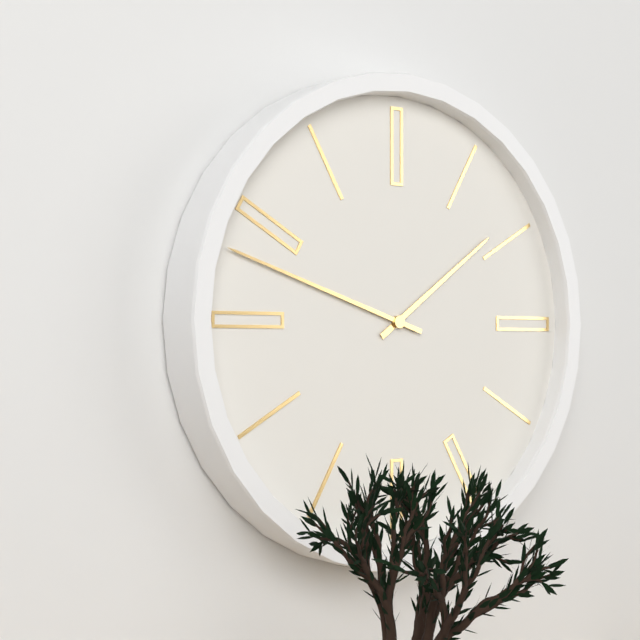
1:48
